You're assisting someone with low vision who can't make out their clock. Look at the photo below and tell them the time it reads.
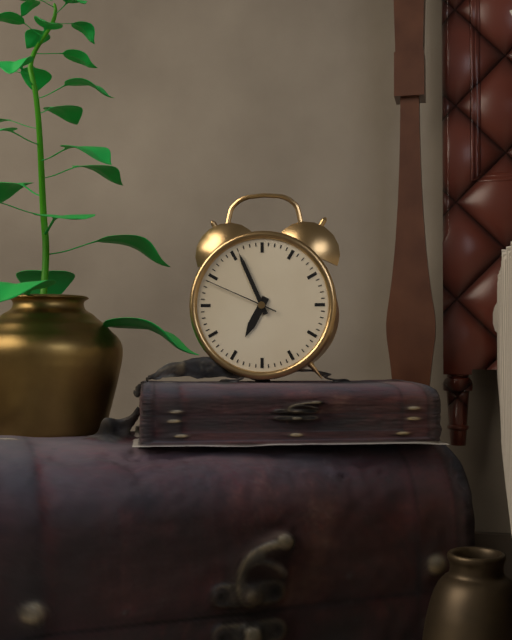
6:56:49
